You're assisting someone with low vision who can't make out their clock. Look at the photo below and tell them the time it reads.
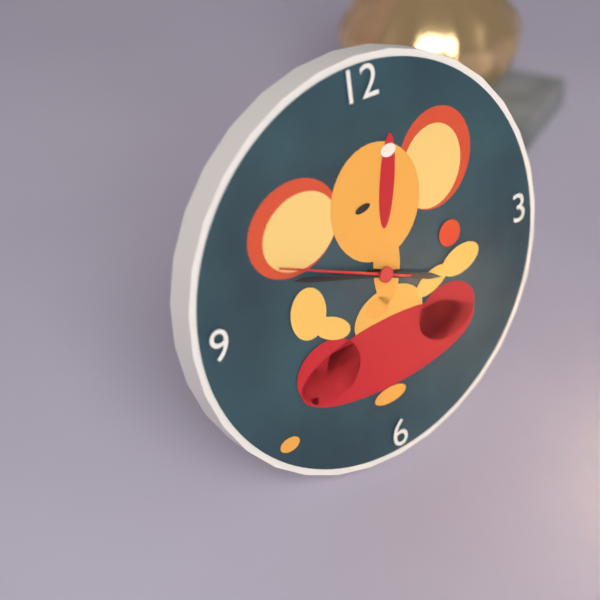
3:48:49
